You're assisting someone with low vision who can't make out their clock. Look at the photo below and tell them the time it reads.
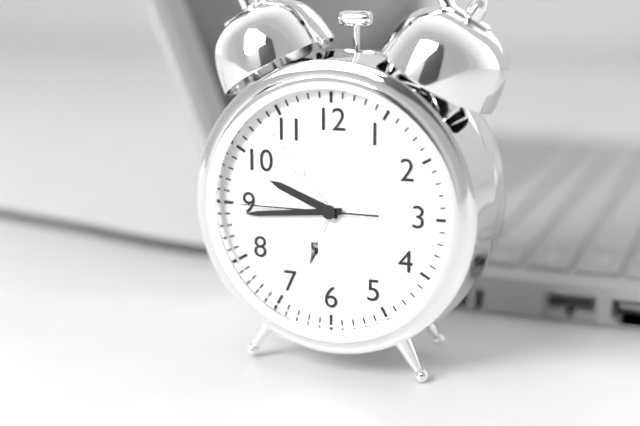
9:44:45
